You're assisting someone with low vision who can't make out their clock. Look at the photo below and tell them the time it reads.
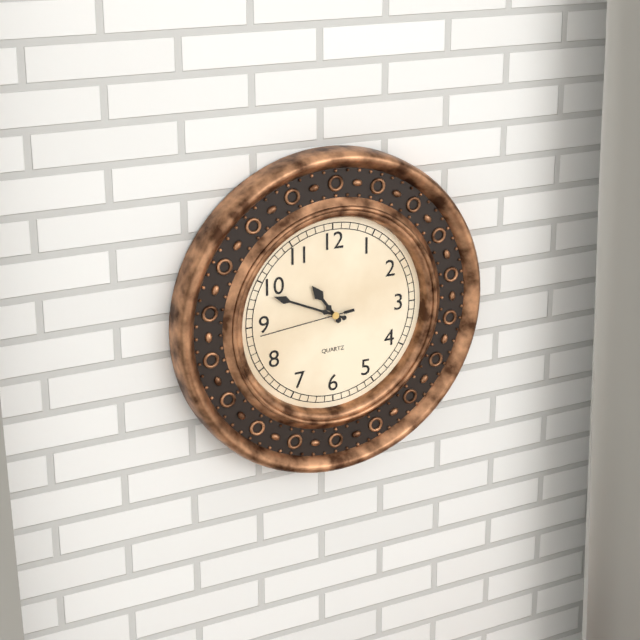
10:49:44
